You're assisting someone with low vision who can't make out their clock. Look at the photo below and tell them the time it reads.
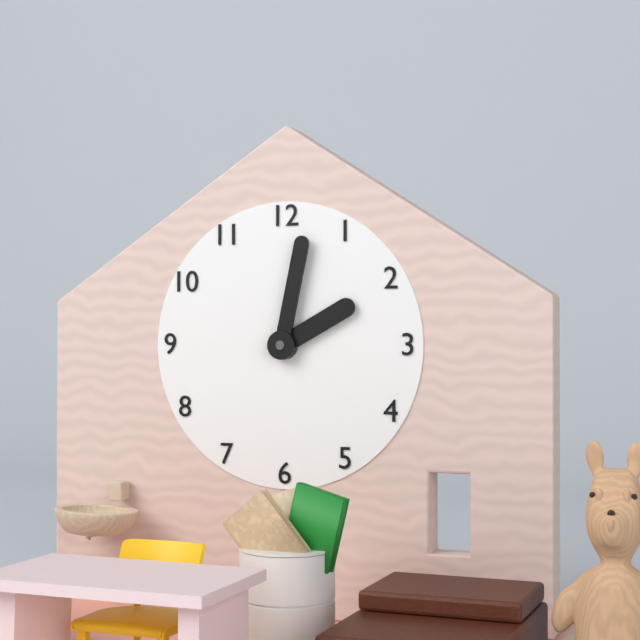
2:02
